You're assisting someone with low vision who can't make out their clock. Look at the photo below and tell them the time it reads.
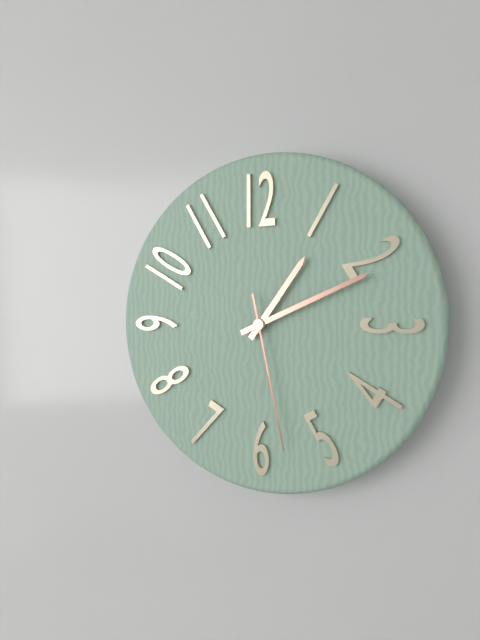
1:11:28
